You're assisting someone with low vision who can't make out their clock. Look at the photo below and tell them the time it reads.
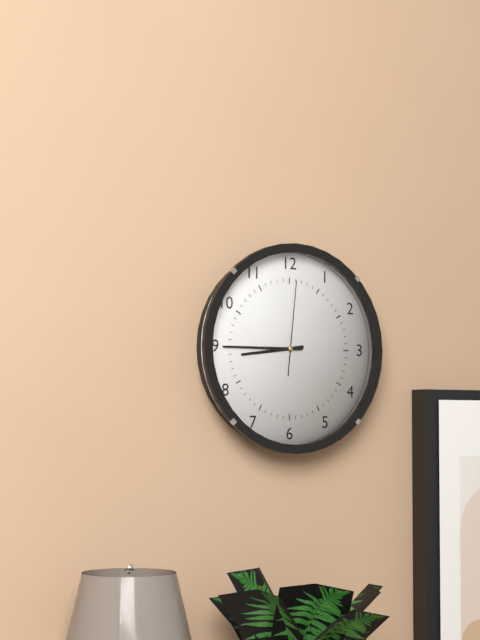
8:45:01
